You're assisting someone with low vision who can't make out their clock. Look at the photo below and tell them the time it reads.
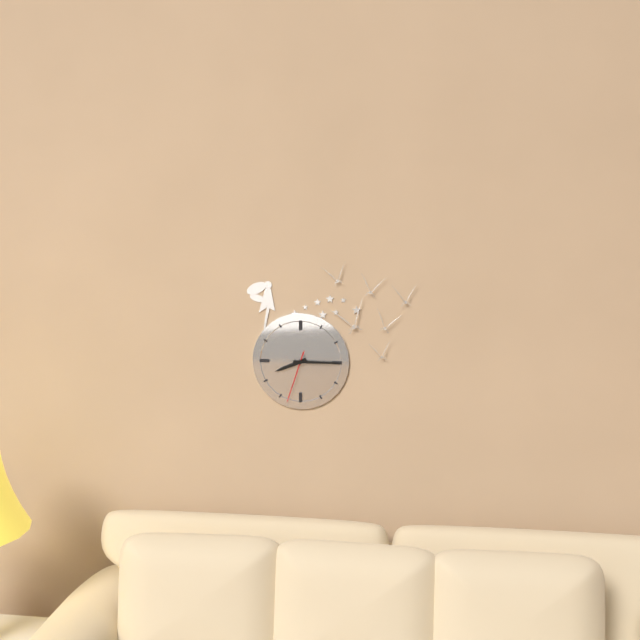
8:15:33
